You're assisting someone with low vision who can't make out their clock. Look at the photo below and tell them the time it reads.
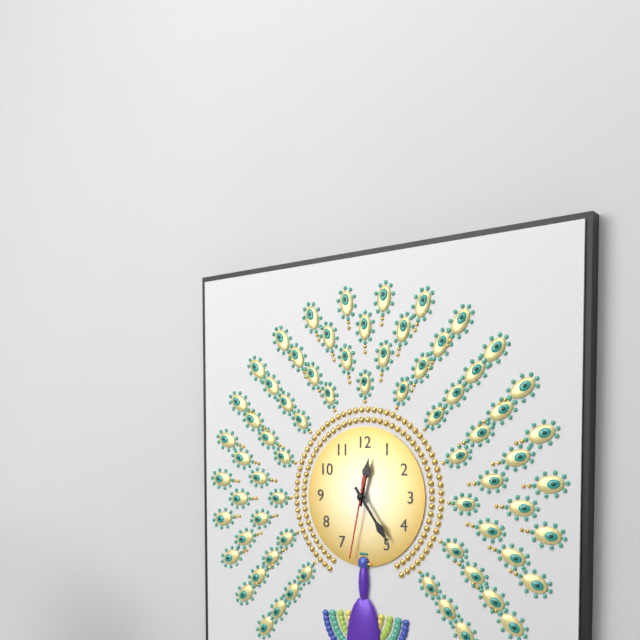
12:24:32
